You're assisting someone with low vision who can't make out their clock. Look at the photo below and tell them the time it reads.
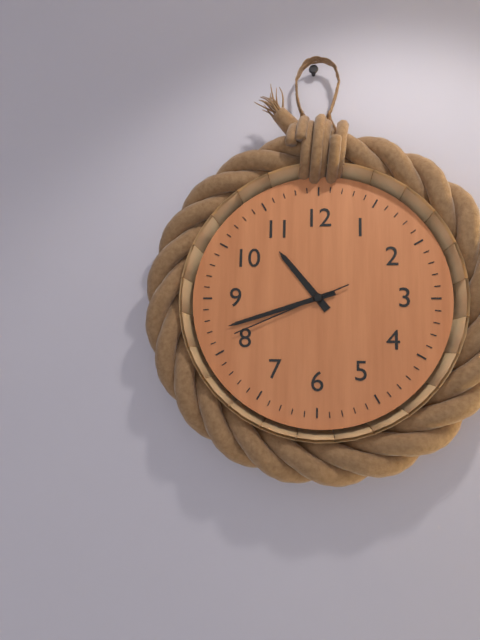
10:42:41
